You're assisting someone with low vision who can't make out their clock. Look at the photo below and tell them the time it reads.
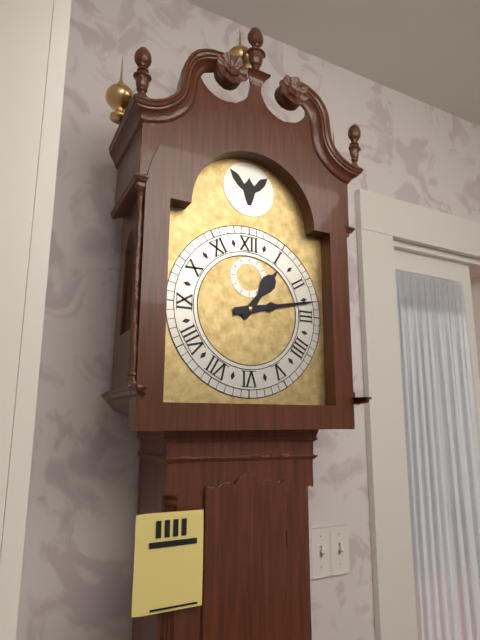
1:13
